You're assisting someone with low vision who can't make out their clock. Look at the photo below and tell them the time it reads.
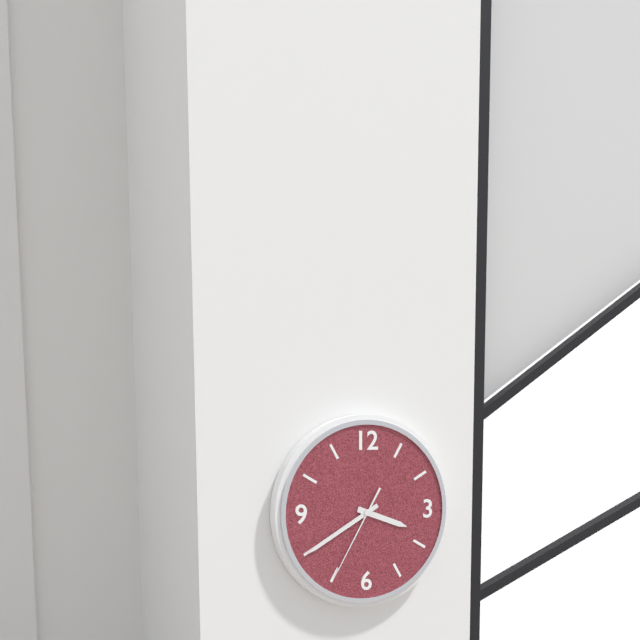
3:40:35
